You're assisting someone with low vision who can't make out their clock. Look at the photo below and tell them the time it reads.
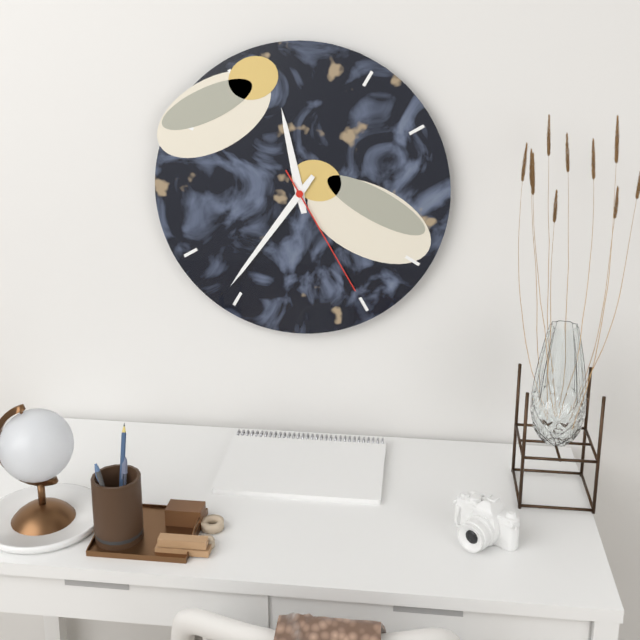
11:36:25
